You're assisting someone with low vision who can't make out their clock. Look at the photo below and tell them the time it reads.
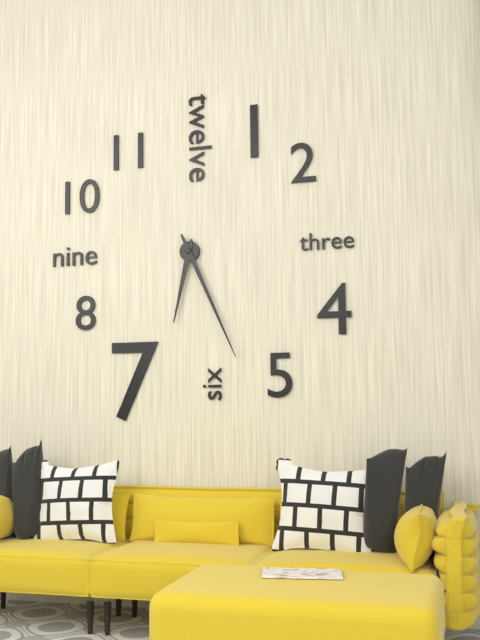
6:26
